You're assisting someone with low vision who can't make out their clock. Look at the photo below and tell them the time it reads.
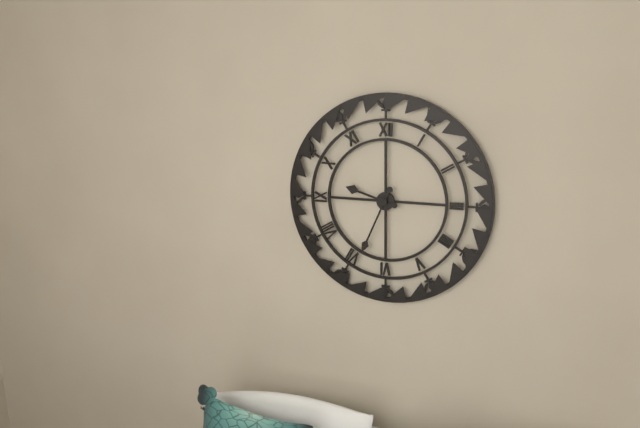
9:34
